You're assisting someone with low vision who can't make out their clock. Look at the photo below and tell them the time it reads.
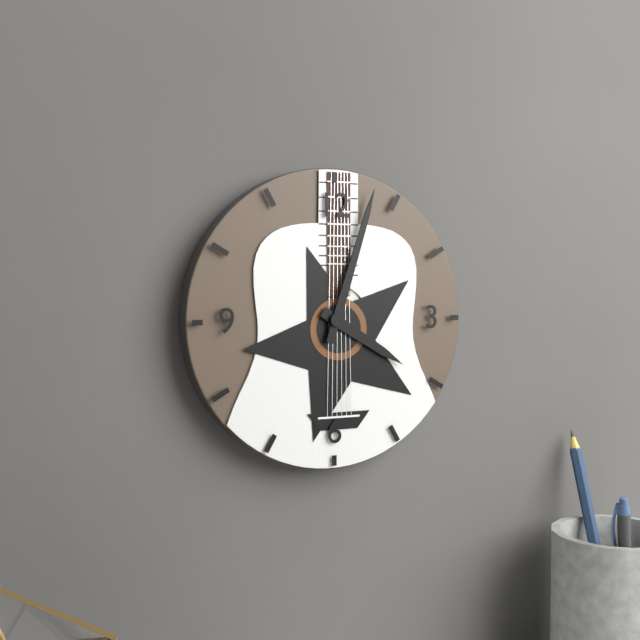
4:03
